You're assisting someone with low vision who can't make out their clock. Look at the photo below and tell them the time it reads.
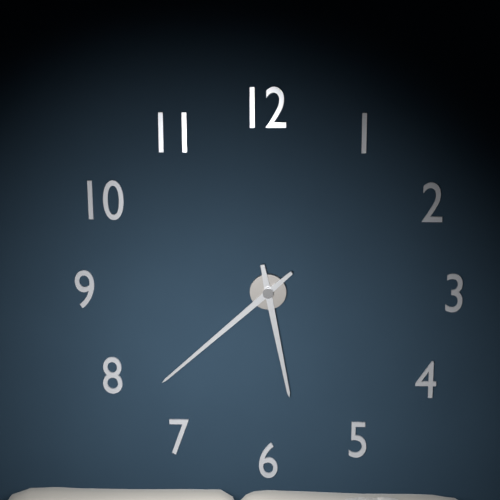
5:38
